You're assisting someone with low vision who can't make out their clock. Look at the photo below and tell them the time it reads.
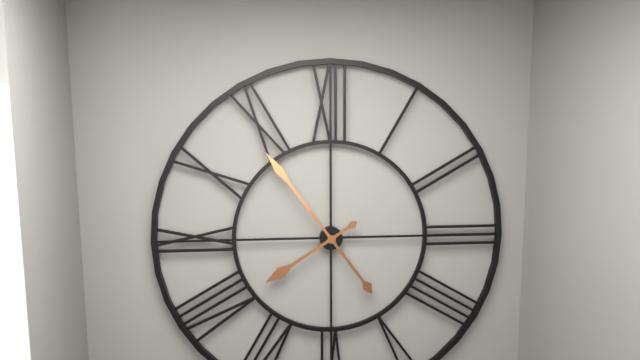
7:54
